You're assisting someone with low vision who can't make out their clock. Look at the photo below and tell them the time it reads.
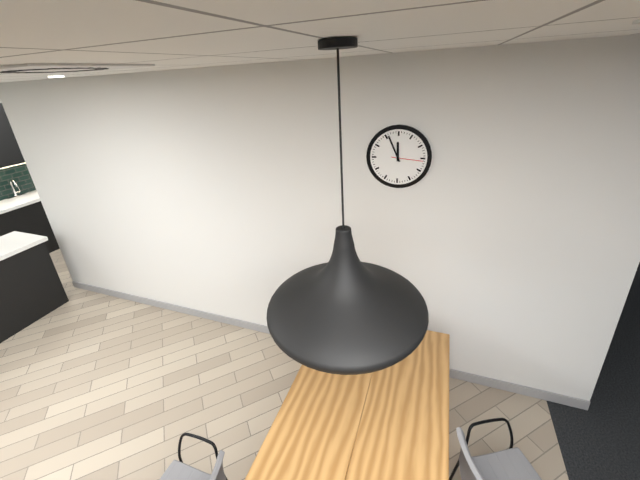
11:56
